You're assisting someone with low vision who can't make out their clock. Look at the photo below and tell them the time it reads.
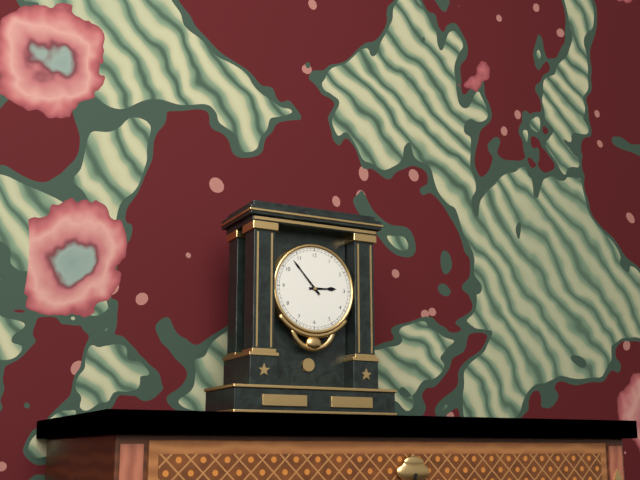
2:53
